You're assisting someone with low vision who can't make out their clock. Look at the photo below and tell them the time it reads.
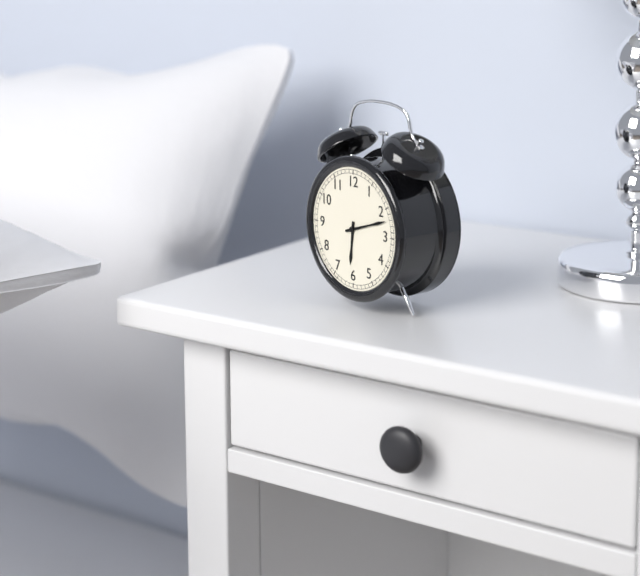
6:12
